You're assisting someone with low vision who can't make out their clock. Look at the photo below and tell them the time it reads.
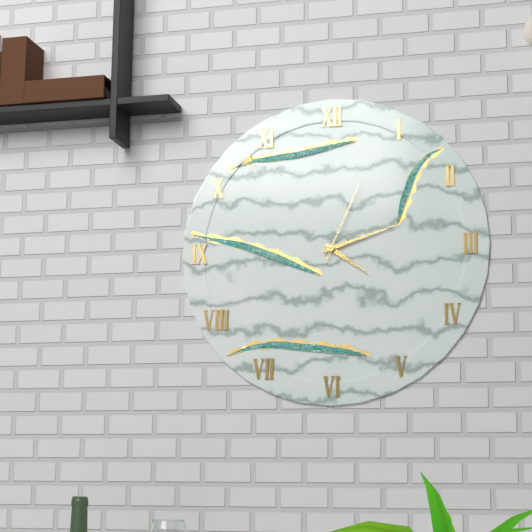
4:12:04
